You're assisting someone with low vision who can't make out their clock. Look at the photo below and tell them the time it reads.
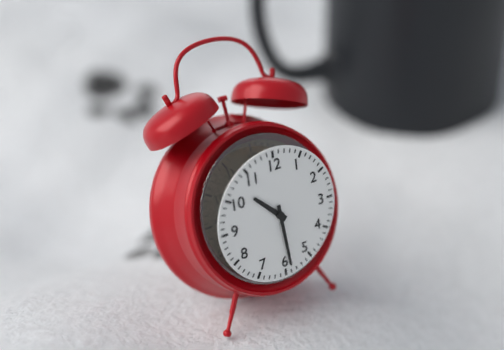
10:29
